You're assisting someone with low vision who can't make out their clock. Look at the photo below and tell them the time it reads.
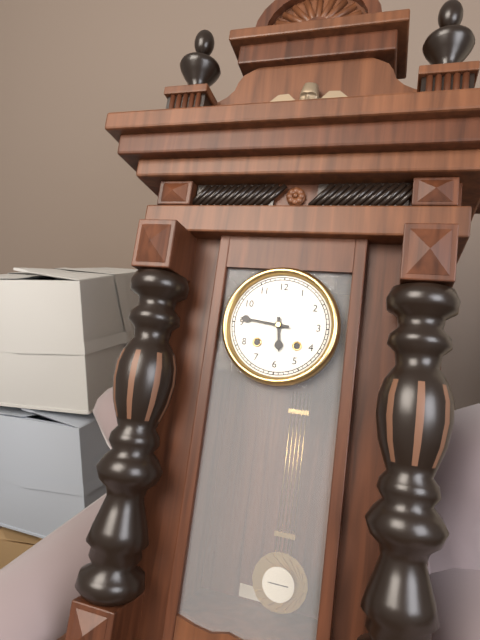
5:46
